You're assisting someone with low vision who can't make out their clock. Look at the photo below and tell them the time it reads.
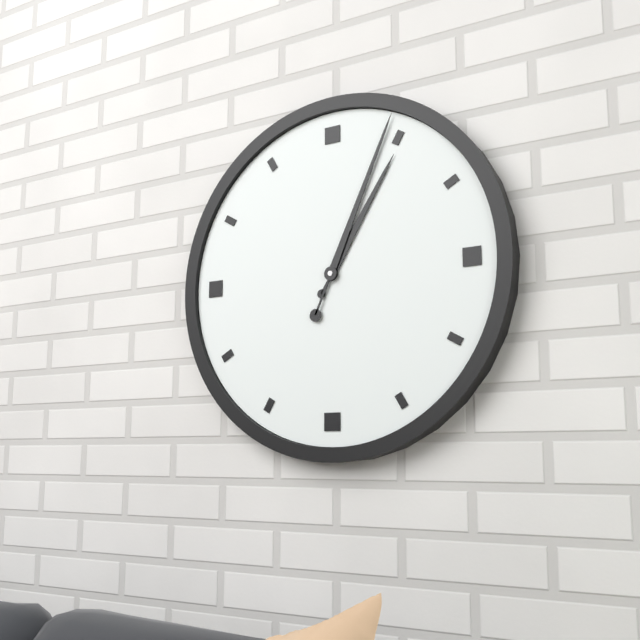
1:04
